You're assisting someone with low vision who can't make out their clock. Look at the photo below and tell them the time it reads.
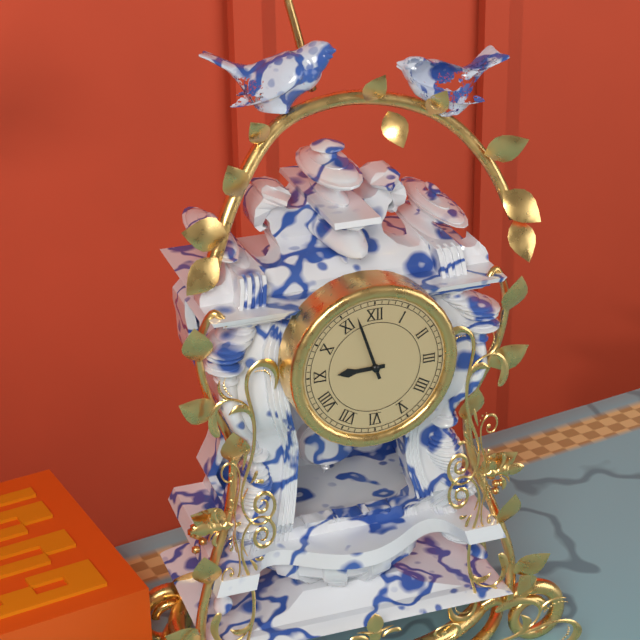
8:57
